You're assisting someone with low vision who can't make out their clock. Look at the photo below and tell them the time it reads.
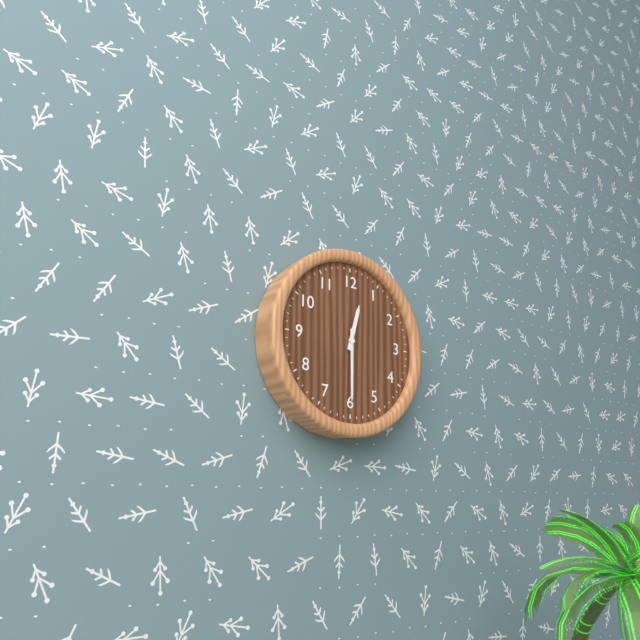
12:30
